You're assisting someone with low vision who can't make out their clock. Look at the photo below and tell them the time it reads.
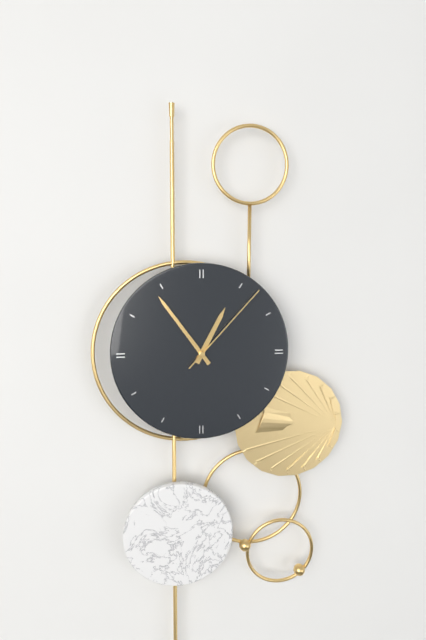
12:54:07
